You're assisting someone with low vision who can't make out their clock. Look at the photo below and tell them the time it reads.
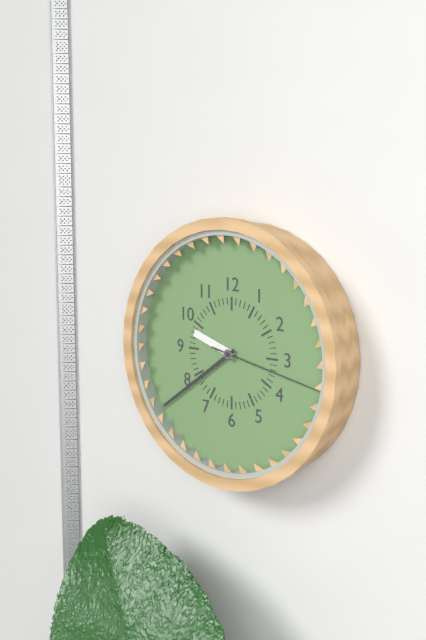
9:39:17
